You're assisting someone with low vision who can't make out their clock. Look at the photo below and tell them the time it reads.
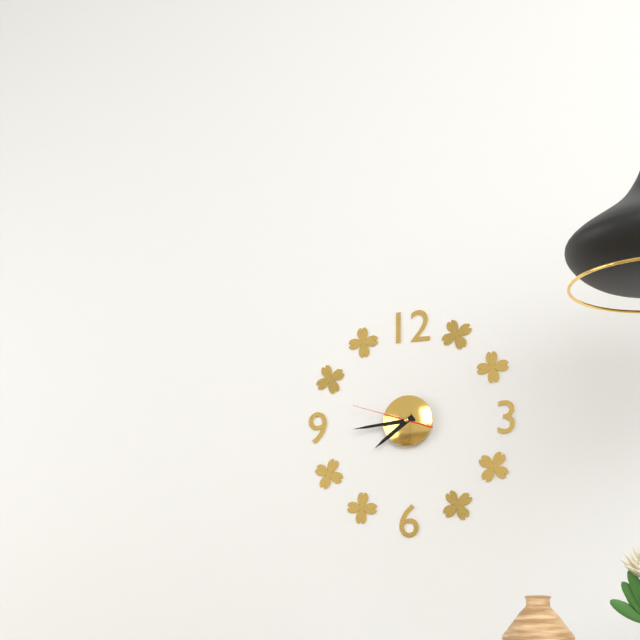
7:44:48
